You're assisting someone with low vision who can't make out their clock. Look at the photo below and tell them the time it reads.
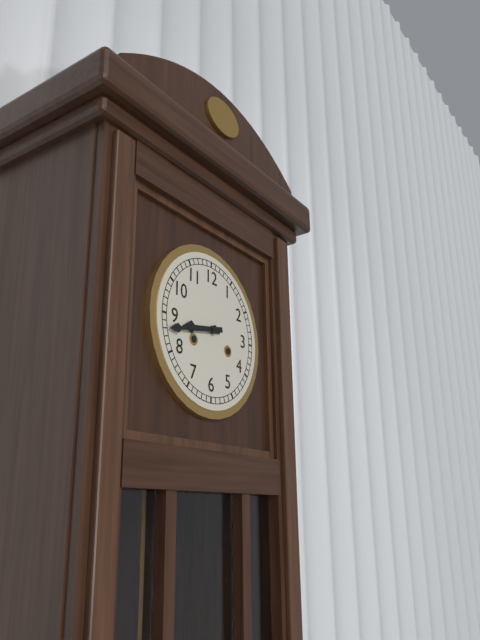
8:43
